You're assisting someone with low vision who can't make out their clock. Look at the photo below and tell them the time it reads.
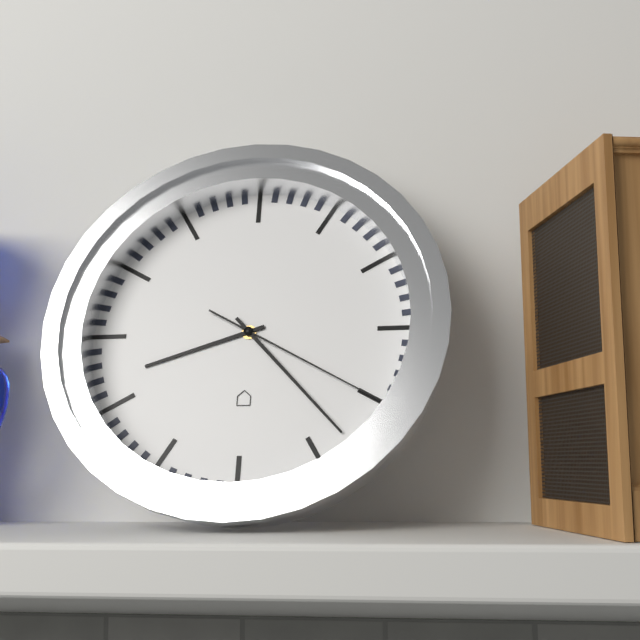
8:23:20
